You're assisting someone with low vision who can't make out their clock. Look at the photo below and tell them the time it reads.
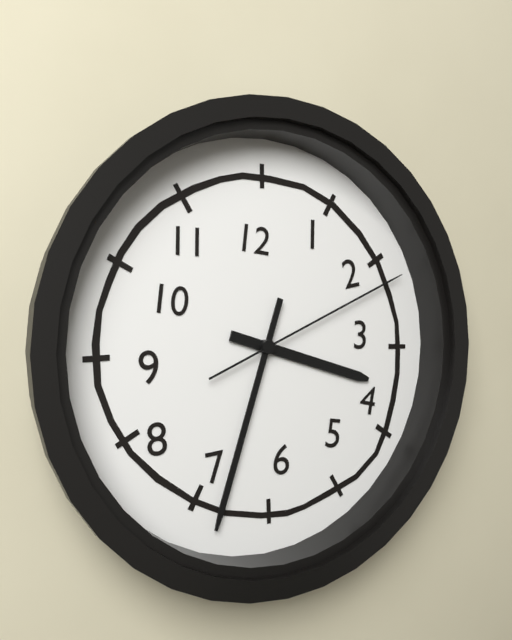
3:33:11
